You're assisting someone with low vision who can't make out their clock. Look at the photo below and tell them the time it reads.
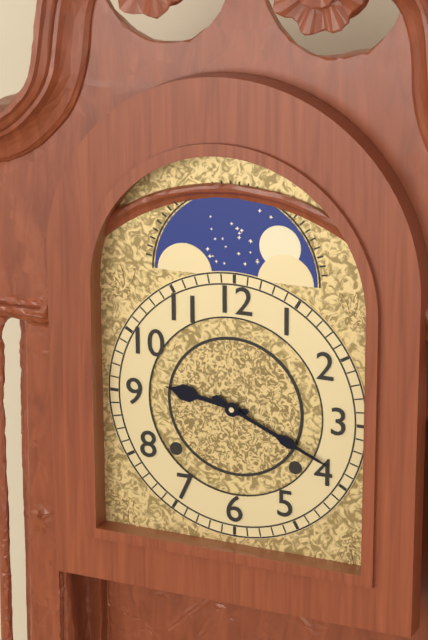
9:19
